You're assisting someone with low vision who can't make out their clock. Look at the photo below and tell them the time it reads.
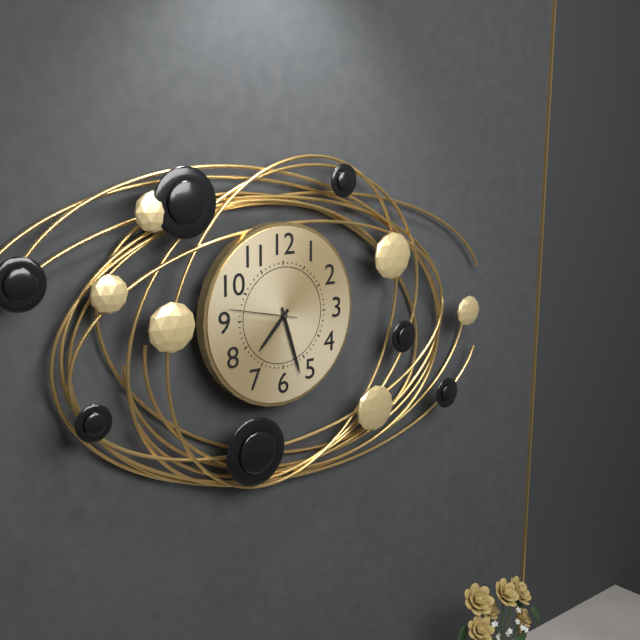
7:27:47
